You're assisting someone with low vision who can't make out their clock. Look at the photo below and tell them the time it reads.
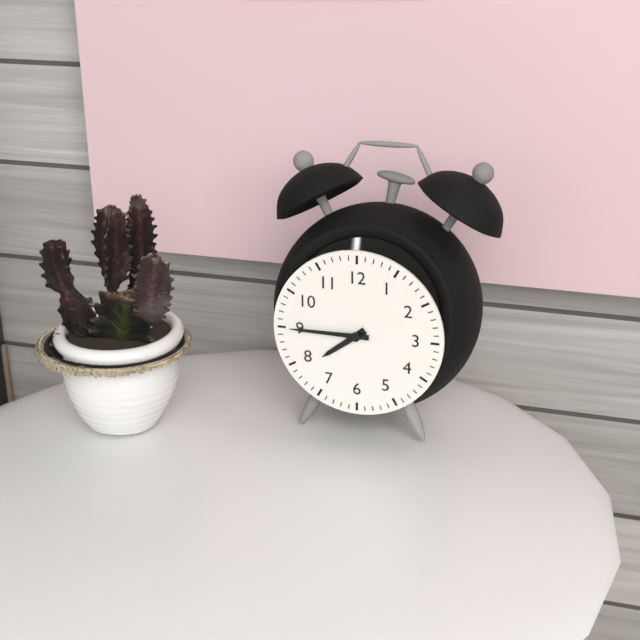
7:45
